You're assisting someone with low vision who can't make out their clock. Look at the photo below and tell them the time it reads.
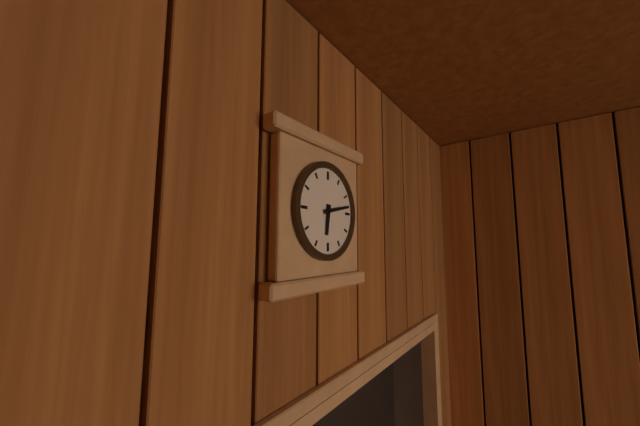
6:13
